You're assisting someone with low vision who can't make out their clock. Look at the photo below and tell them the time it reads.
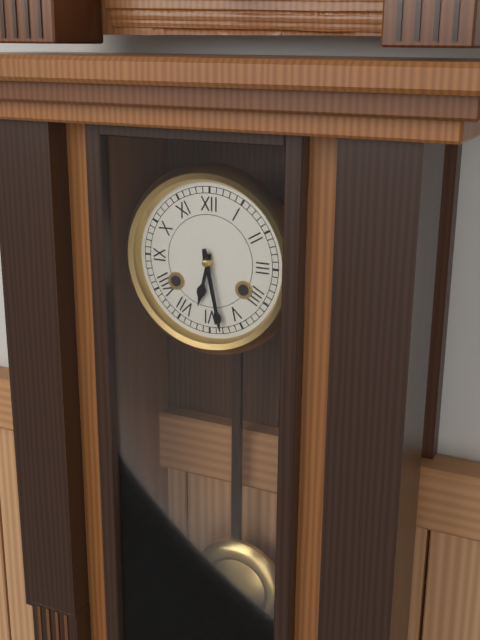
6:28
